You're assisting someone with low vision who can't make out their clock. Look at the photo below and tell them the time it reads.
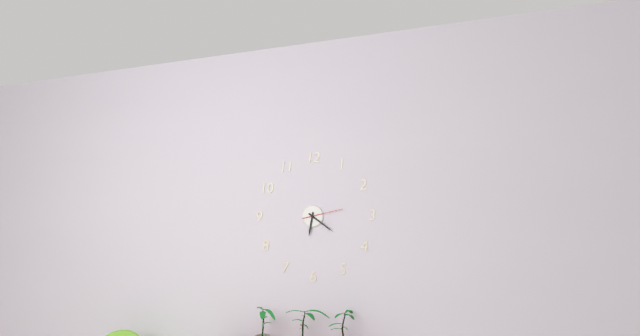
6:21
